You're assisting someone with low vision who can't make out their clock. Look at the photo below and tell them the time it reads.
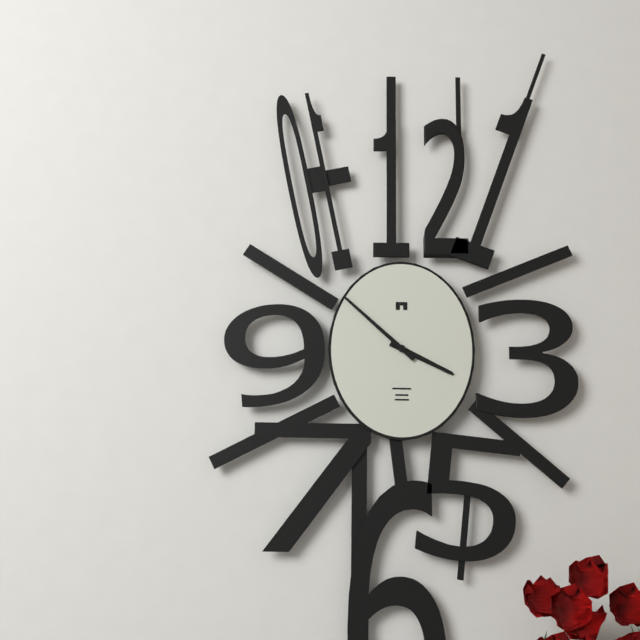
3:52
